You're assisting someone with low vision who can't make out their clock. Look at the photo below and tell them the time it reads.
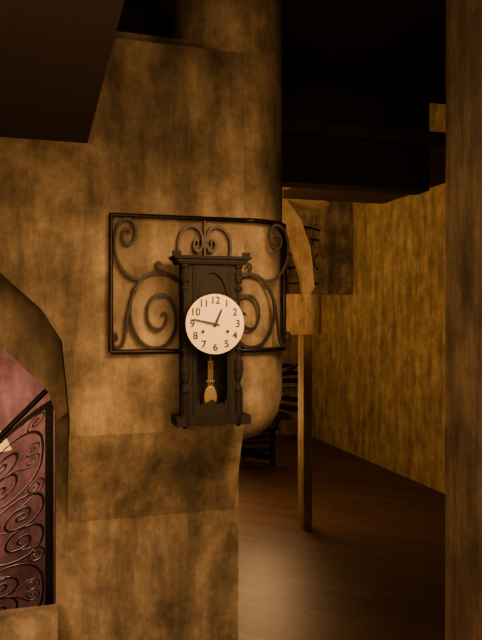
12:47
